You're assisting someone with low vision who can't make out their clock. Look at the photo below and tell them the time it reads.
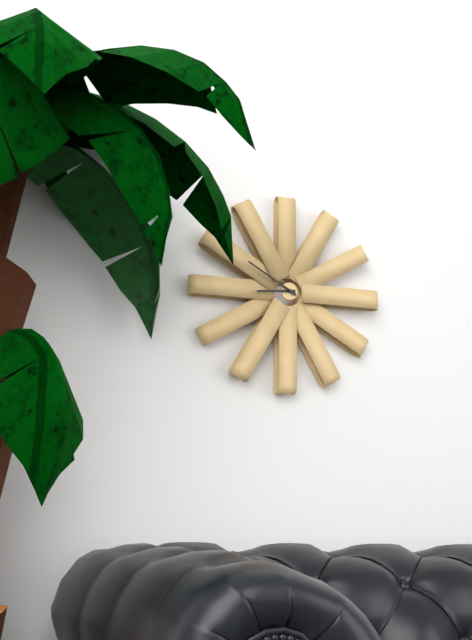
8:50
